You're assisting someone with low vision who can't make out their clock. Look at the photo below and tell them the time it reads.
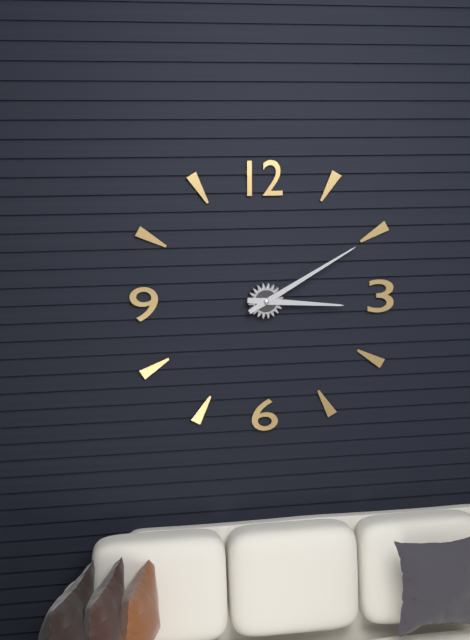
3:10
